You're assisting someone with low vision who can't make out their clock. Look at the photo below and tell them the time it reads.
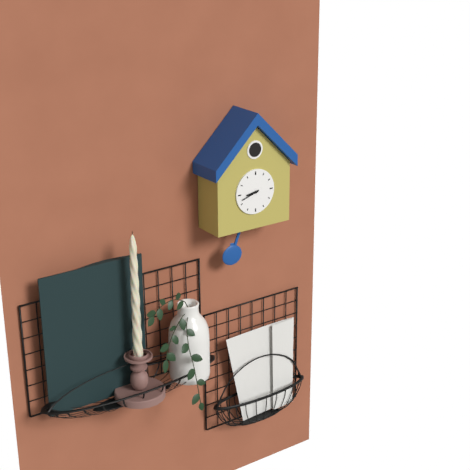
8:42
